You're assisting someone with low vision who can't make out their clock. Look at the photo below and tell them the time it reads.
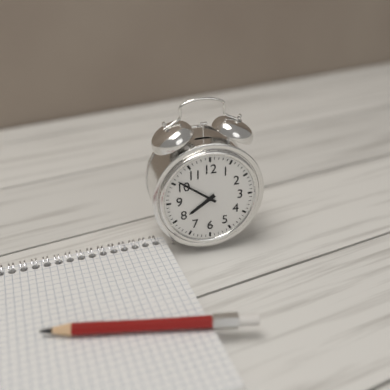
7:51
